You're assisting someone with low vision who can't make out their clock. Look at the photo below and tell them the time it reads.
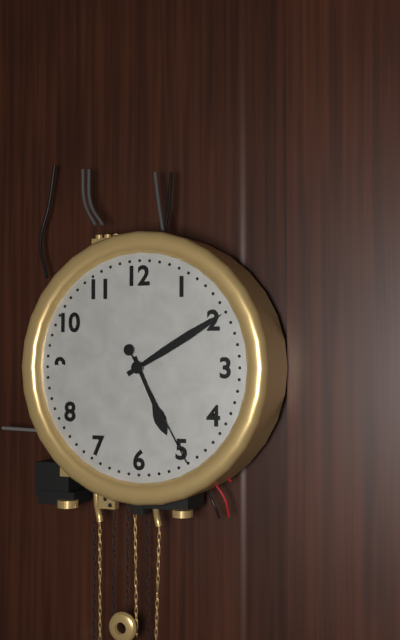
5:10:25
